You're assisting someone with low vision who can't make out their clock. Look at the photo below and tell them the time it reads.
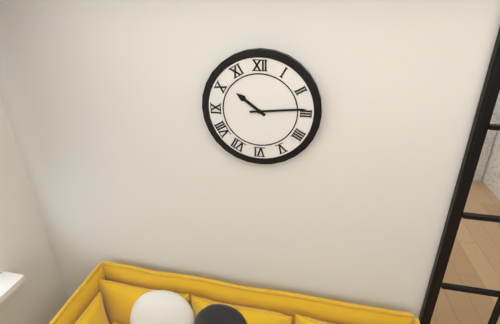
10:14
